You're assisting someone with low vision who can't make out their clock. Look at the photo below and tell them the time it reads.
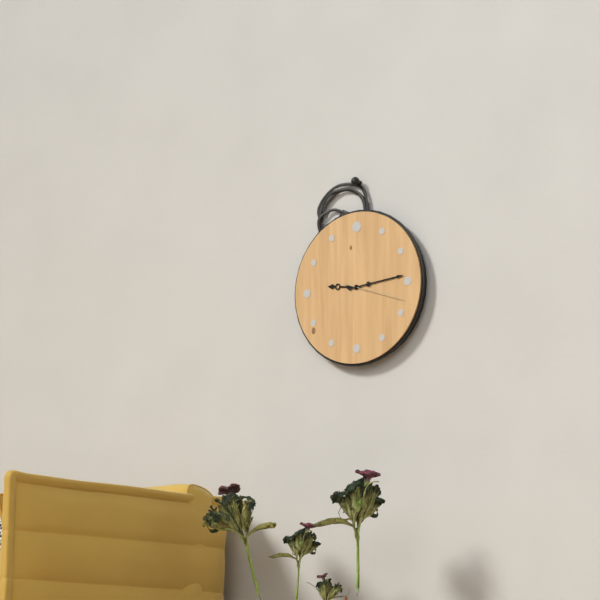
9:14
